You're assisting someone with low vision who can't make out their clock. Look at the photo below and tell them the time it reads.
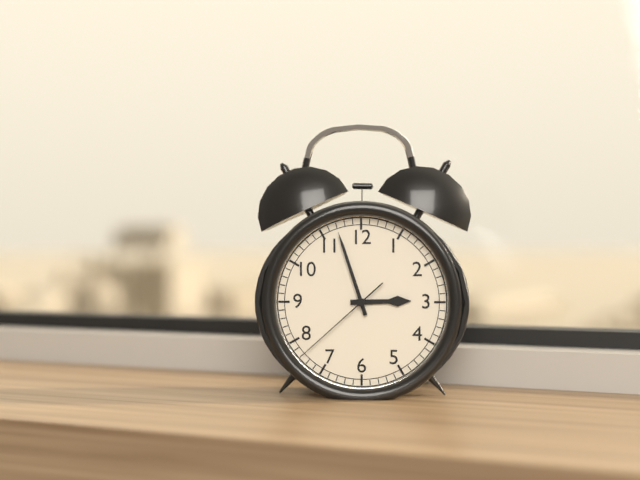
2:57:38
